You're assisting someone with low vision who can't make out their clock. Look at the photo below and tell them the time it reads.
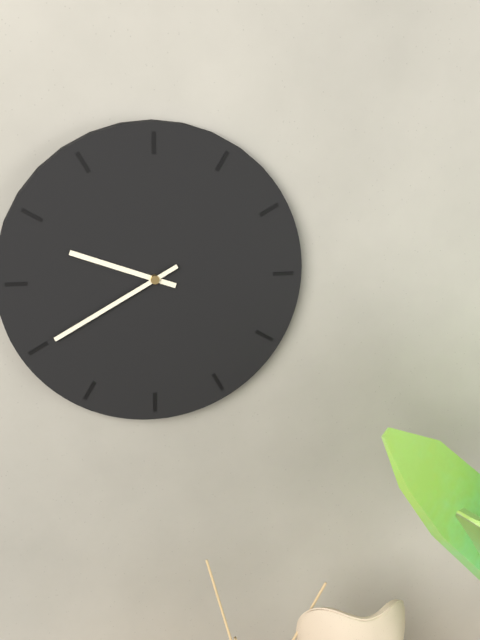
9:40
